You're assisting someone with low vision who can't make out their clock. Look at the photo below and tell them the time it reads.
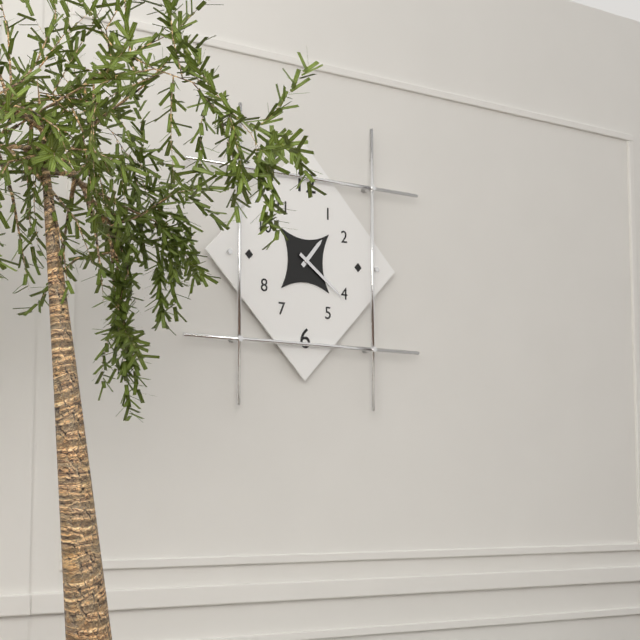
1:21
